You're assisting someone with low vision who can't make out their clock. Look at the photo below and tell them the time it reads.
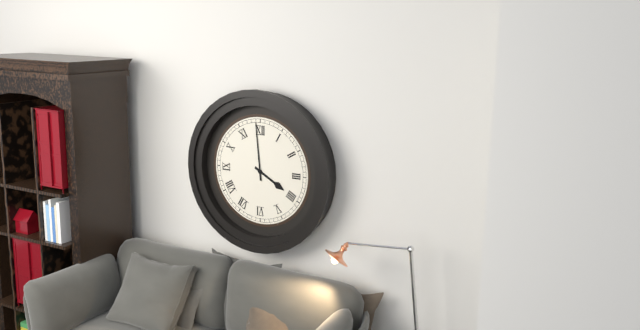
3:59
